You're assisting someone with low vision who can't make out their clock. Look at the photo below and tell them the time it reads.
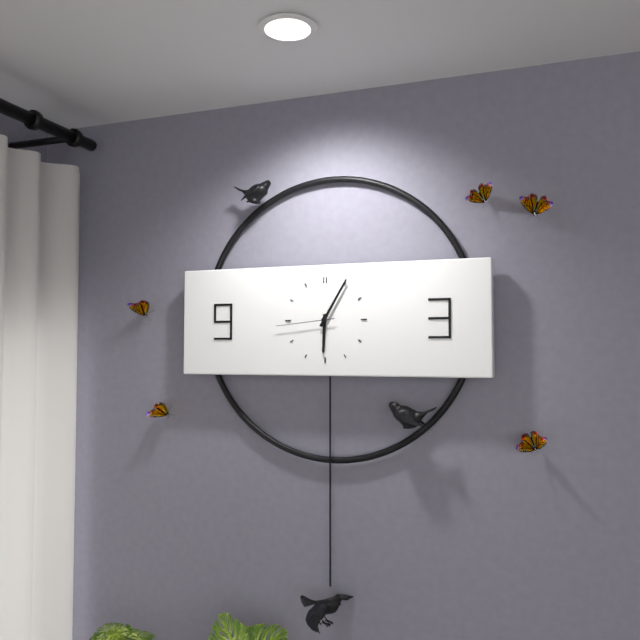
6:05:44
